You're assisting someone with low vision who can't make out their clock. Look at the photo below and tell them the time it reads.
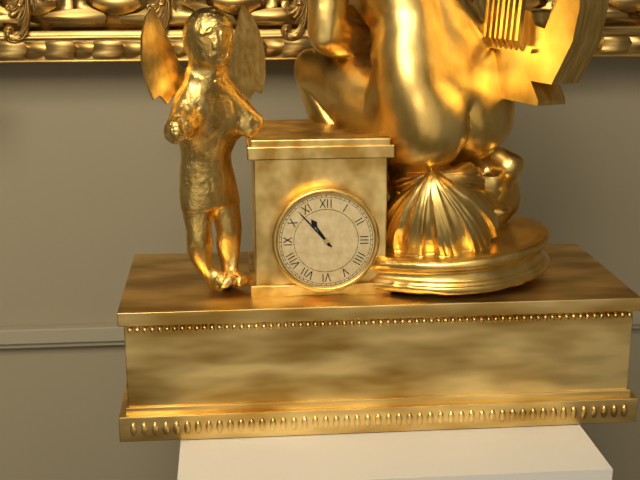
10:53
